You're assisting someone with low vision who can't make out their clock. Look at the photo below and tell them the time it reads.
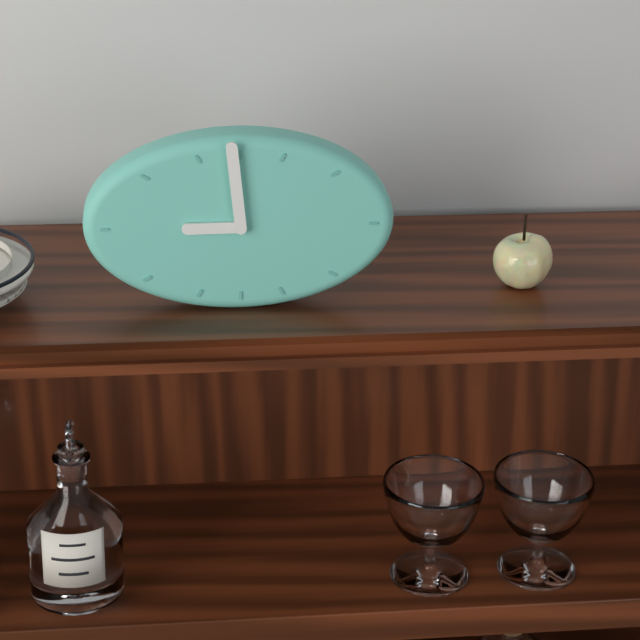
8:59
